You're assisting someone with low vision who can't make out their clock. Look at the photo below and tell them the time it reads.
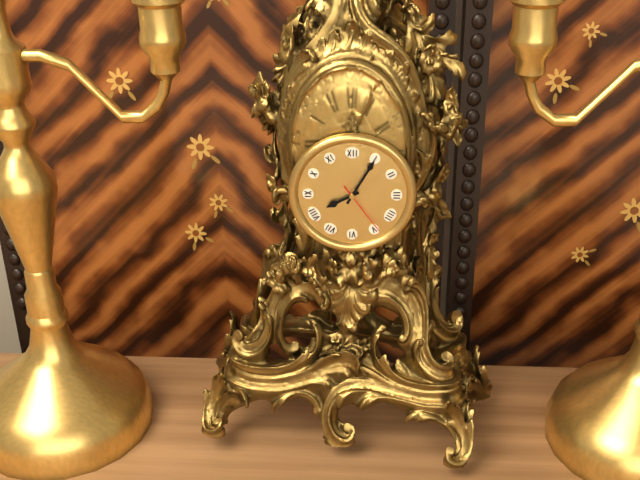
8:05:24
